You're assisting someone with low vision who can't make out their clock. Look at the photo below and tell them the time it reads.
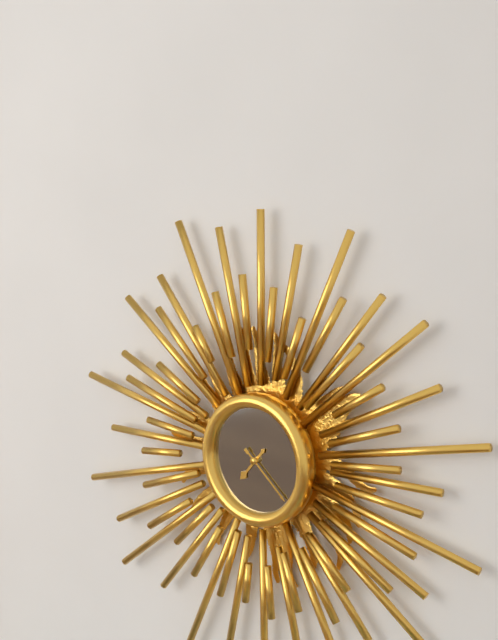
7:22
